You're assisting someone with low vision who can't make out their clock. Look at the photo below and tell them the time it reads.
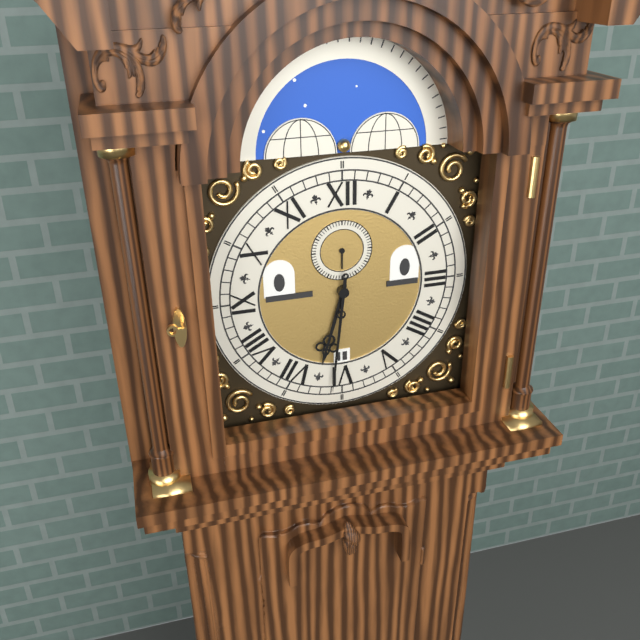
6:31
